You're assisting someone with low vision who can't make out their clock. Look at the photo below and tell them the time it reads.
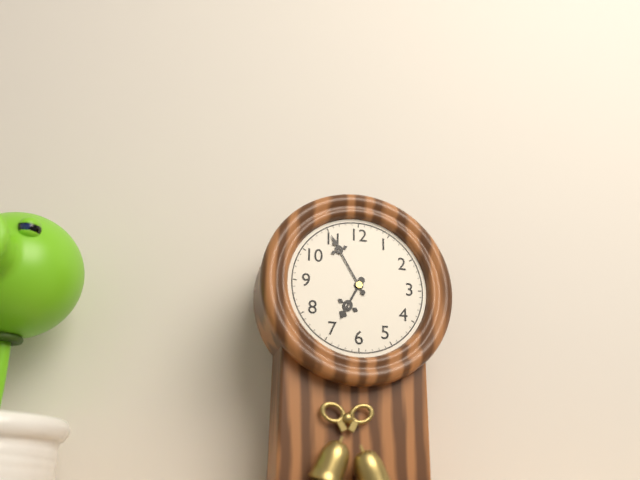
6:55
